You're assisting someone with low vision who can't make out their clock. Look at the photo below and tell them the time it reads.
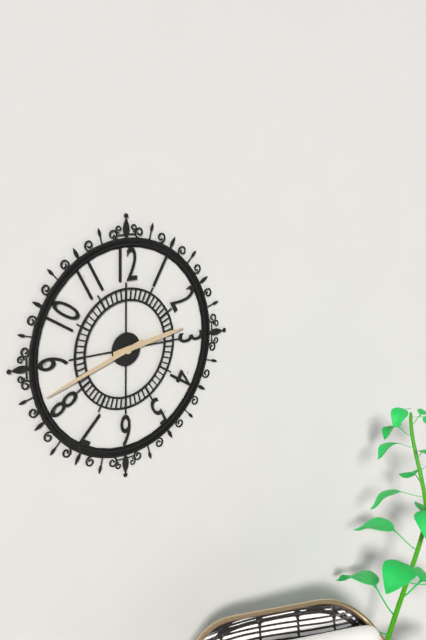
2:42
